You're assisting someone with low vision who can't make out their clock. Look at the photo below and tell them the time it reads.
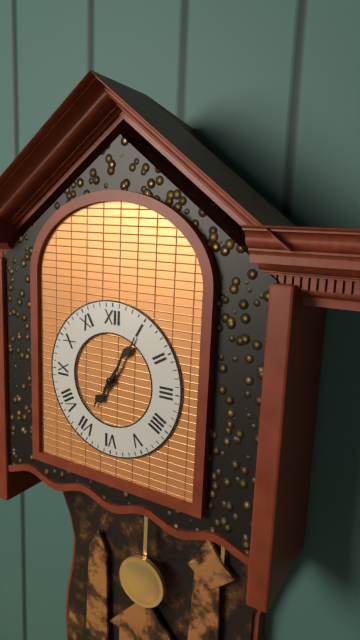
7:05
